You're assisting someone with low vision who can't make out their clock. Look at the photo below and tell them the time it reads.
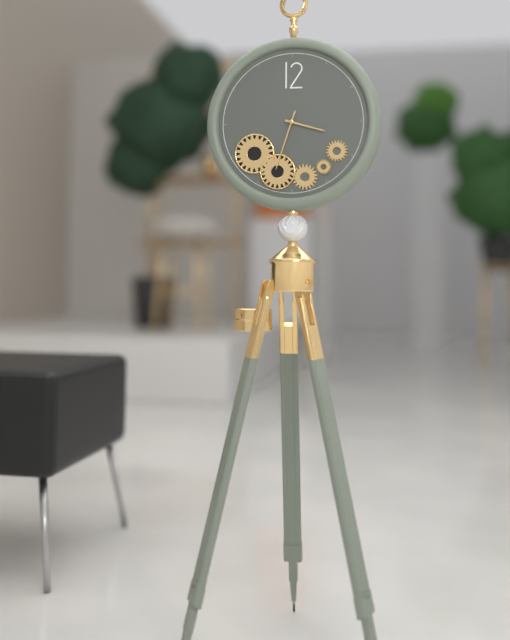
3:33
